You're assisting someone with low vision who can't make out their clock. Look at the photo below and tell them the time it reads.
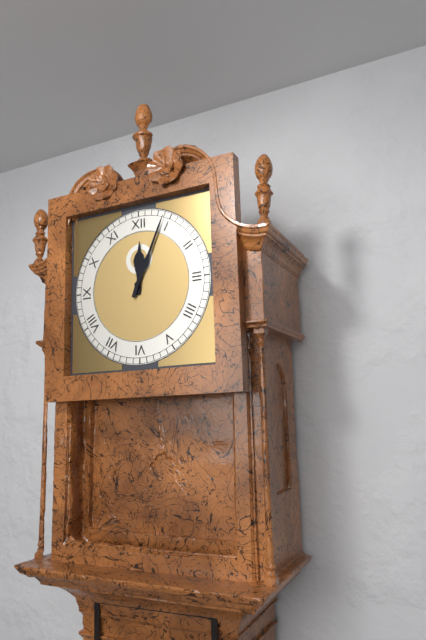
12:04
